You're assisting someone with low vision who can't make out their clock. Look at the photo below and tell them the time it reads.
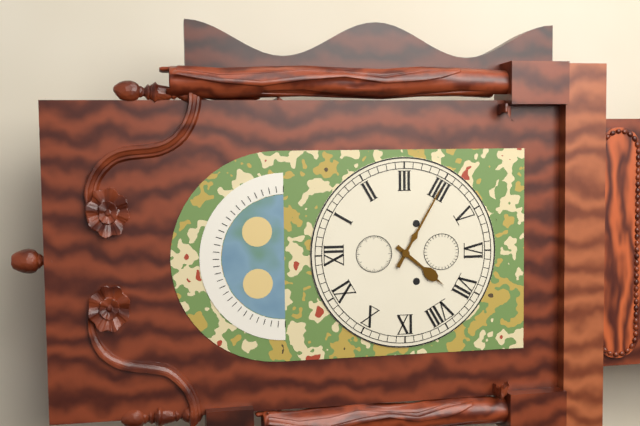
7:20
